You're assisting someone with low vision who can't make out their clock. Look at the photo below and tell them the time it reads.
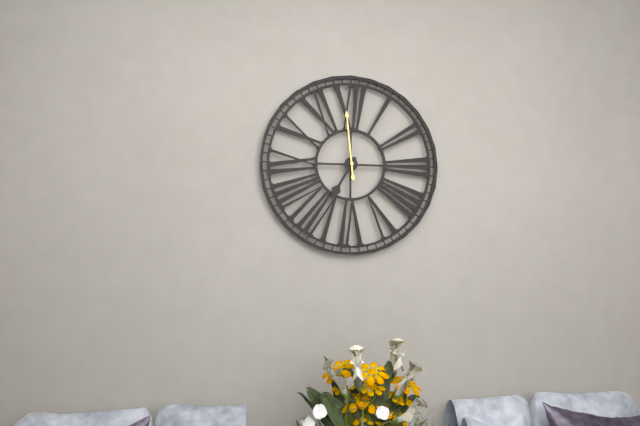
6:59
